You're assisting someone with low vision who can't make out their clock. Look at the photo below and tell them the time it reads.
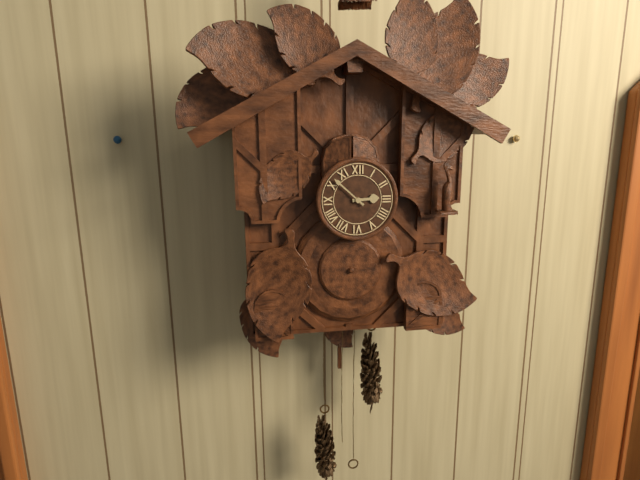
2:52
